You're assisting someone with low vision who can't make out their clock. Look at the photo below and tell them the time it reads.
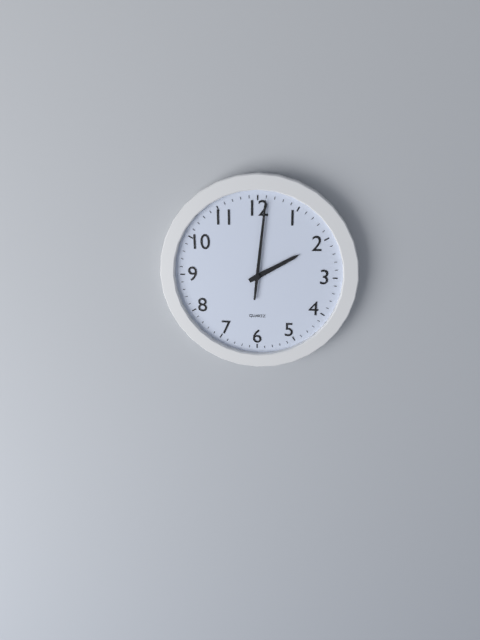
2:01
